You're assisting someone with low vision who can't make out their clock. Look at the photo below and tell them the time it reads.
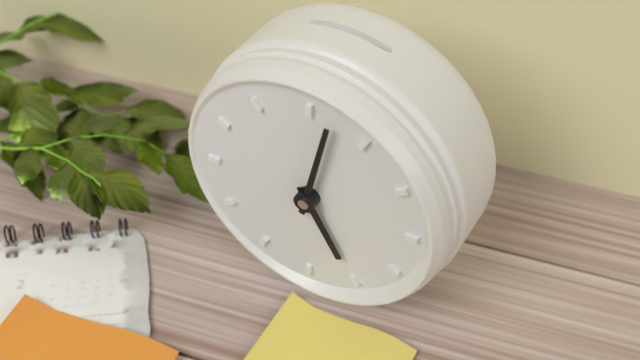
5:02
